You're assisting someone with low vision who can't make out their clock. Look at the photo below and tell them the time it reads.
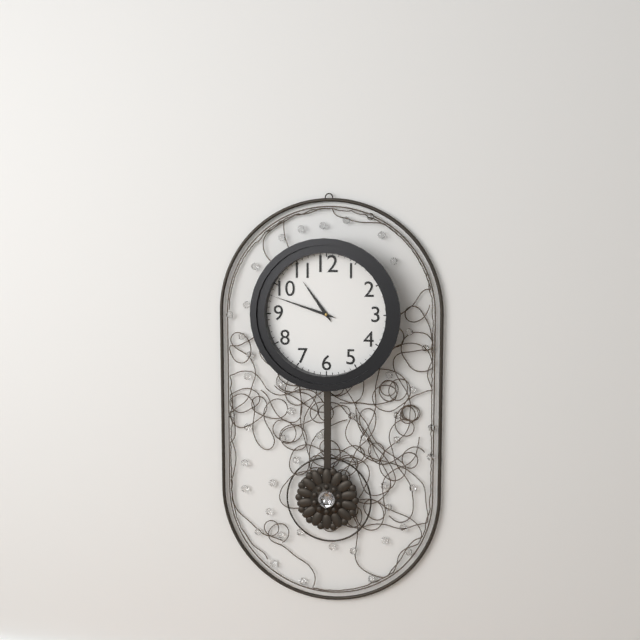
10:48
